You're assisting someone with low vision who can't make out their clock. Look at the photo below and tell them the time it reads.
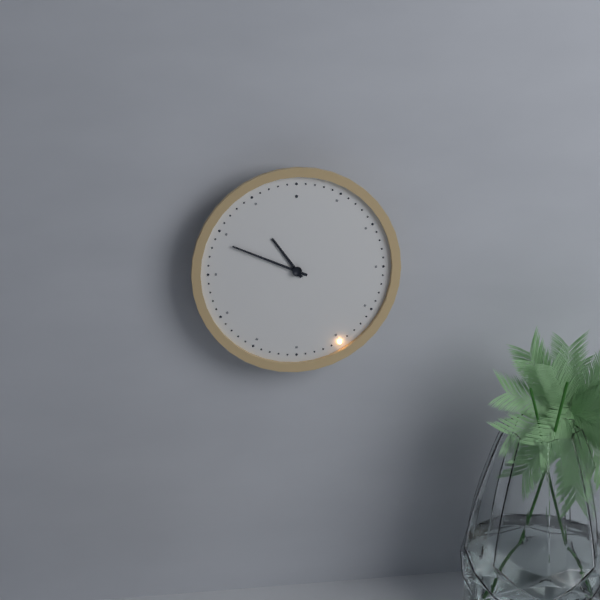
10:49
